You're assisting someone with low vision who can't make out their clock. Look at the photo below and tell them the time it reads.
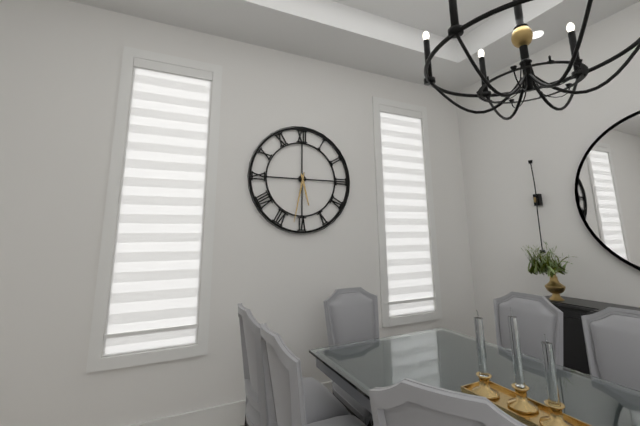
5:32
